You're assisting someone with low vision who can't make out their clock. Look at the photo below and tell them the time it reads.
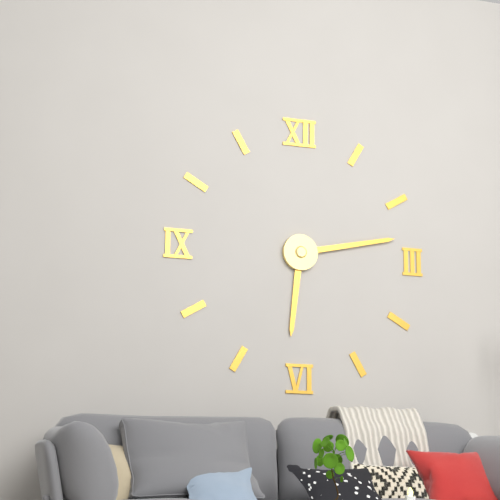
6:13
